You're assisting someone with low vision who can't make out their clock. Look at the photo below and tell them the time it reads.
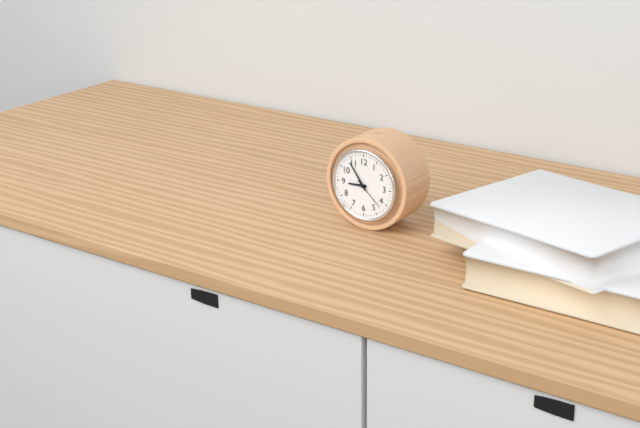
8:54
